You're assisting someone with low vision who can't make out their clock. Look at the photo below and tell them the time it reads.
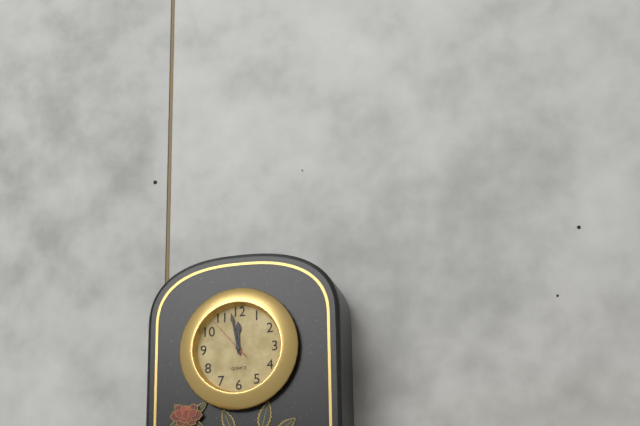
11:58:53
